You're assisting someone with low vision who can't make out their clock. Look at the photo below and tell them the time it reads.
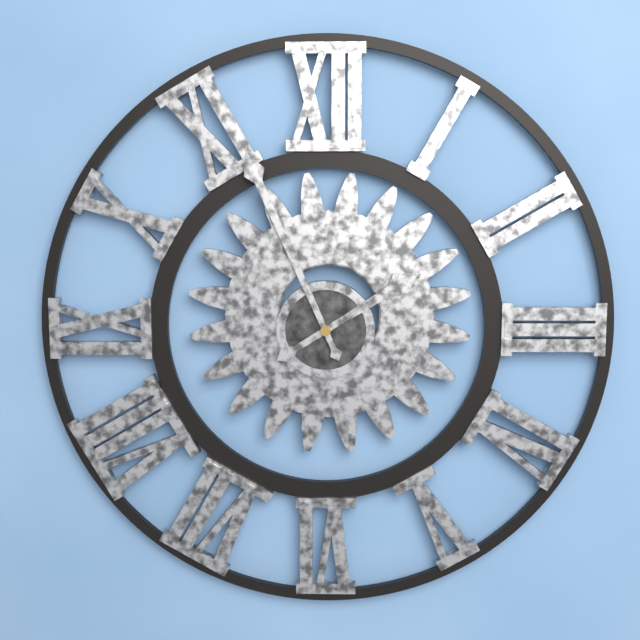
1:56
